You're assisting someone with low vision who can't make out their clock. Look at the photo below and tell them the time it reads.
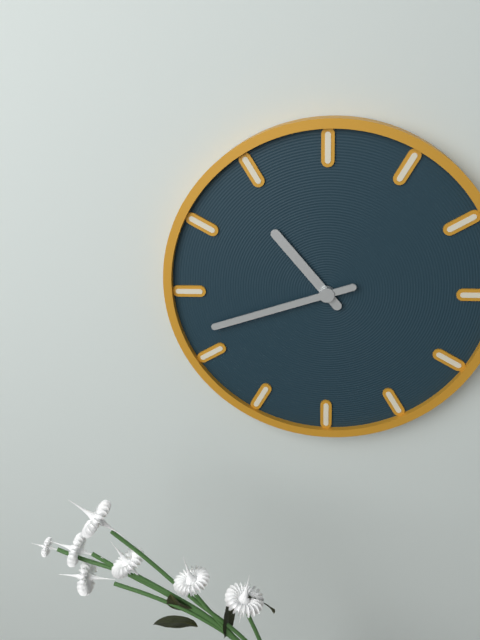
10:42
